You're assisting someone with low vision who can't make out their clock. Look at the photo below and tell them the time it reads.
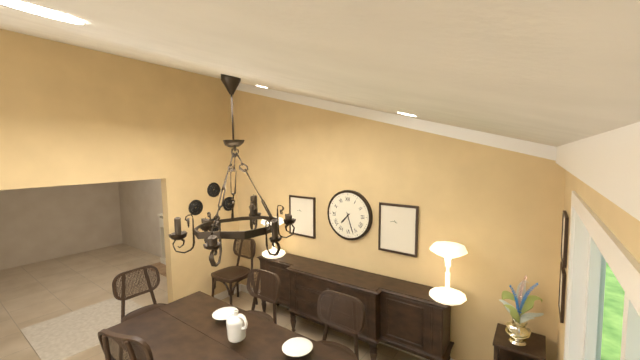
7:27
